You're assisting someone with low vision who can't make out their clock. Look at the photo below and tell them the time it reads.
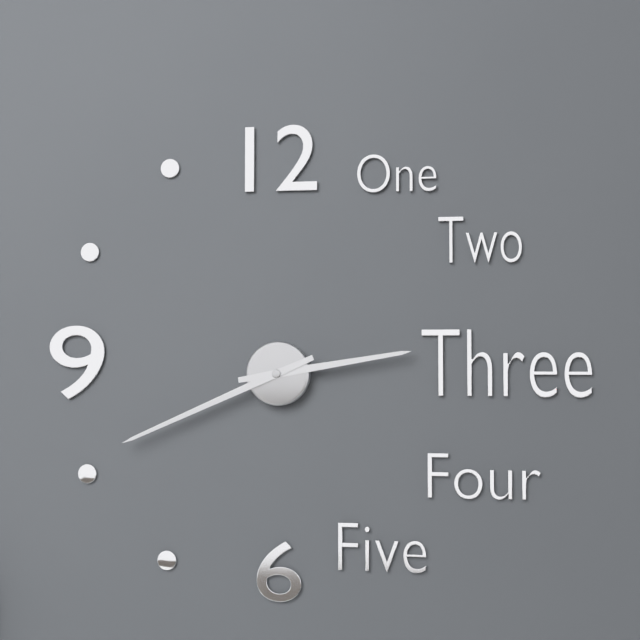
2:41
